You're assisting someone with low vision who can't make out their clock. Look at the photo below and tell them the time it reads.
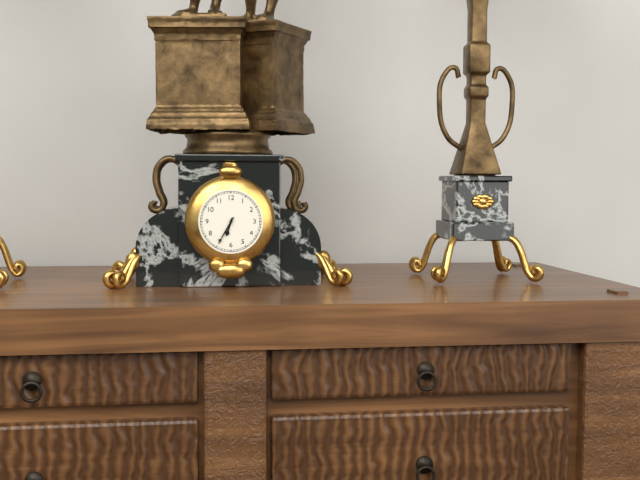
6:35
